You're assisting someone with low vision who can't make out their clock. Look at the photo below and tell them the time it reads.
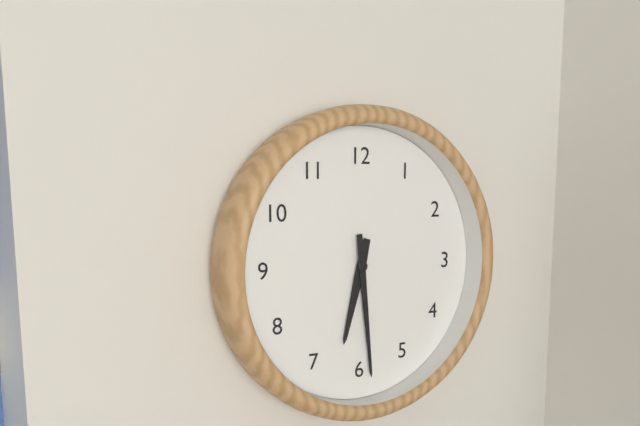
6:29
